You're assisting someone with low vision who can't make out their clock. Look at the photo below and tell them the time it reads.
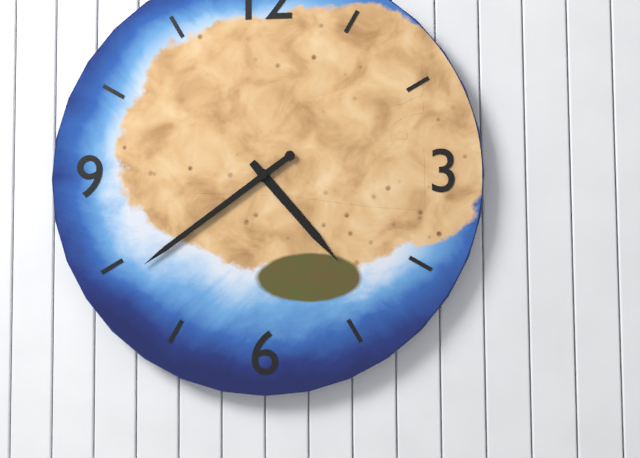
4:39
